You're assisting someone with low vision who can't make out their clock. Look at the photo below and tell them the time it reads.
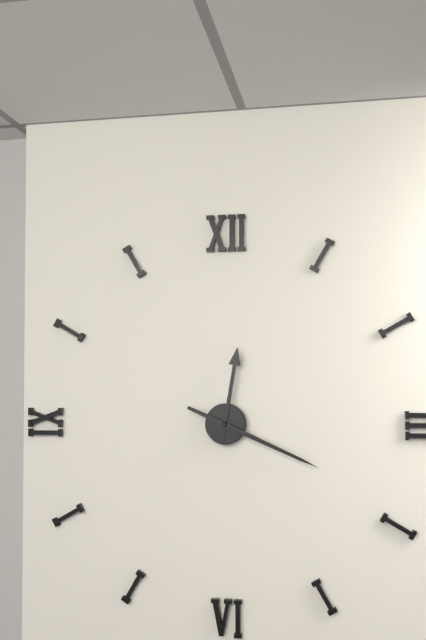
12:19
